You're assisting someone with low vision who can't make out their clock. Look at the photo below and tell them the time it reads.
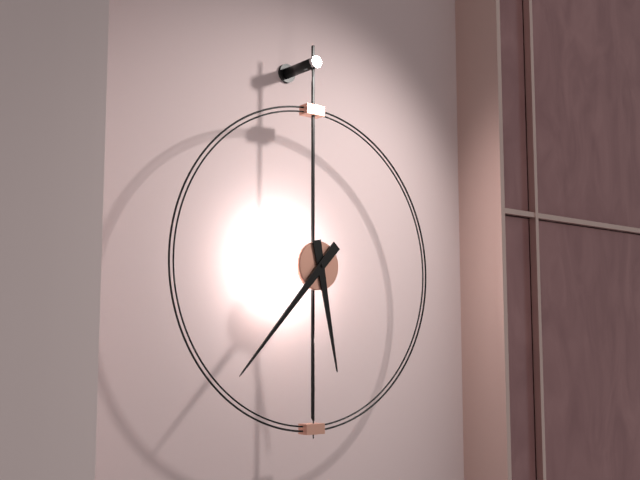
5:37
